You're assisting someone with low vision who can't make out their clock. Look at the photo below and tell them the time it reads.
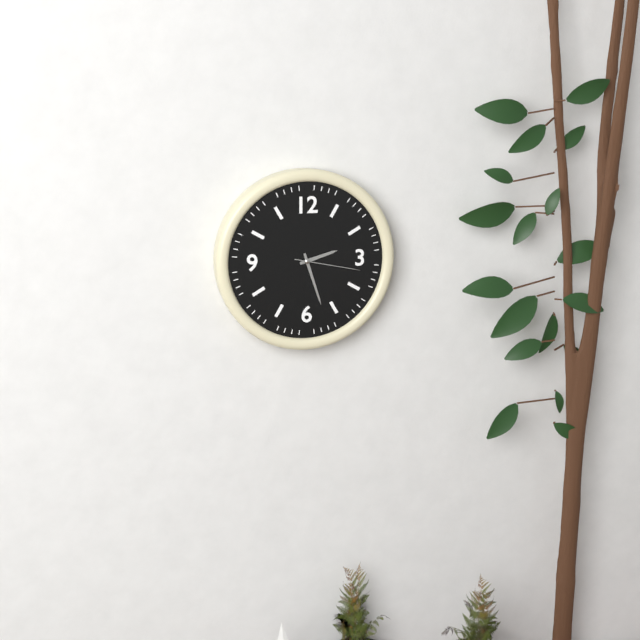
2:27:17
